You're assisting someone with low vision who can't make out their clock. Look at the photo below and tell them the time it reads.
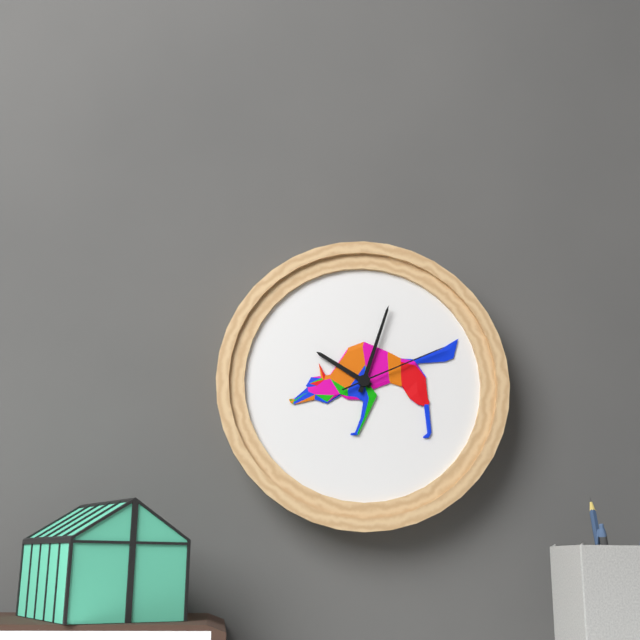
10:03:11
